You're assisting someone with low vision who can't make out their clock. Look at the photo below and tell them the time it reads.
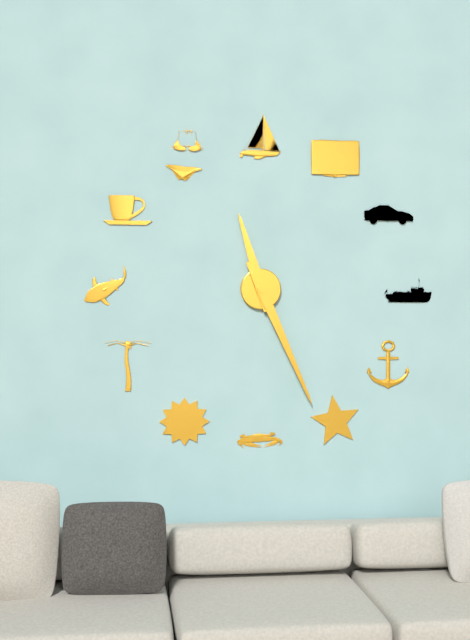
11:26
